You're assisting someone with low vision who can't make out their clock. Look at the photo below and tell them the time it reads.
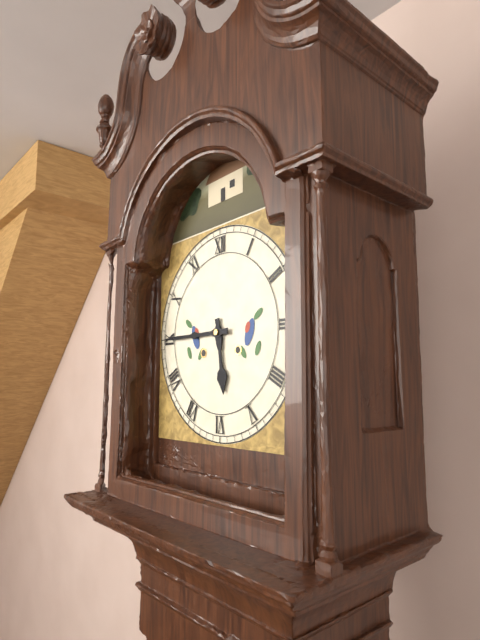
5:45
